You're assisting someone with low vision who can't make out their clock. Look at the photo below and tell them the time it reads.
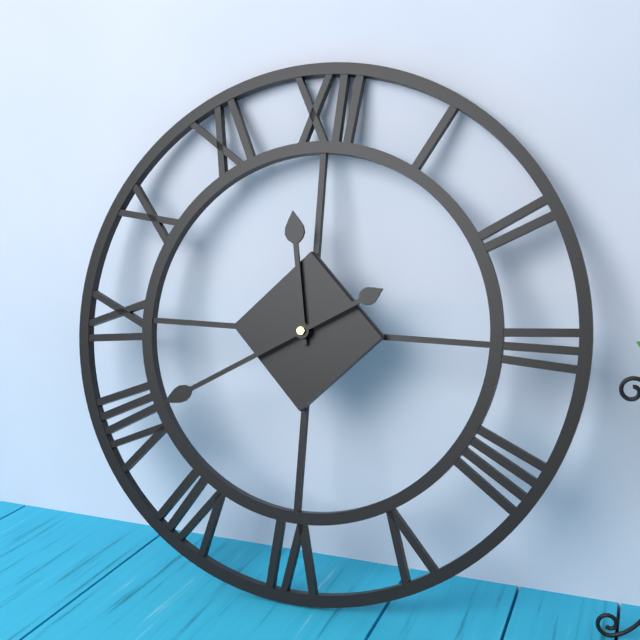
11:40
